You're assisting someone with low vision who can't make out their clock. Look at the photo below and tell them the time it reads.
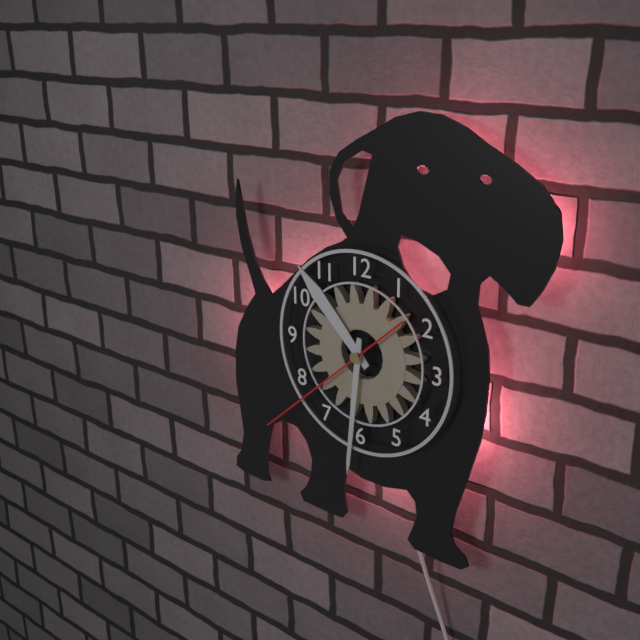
10:31:38
